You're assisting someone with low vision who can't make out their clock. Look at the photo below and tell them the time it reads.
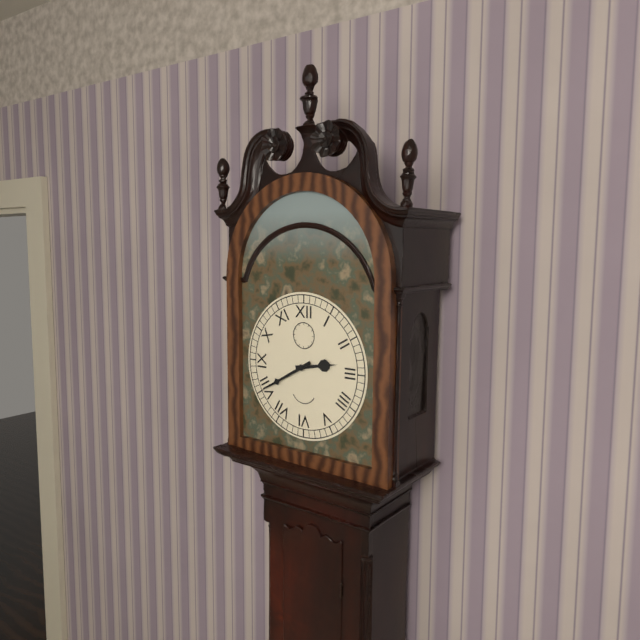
2:40
